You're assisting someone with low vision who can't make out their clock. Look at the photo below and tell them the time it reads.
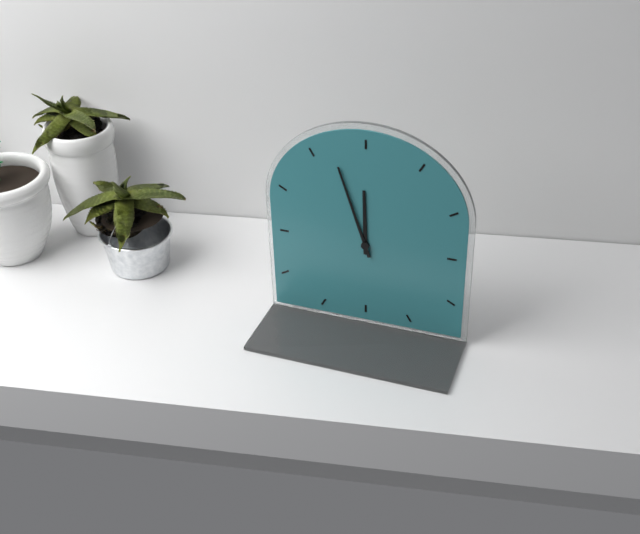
11:57
